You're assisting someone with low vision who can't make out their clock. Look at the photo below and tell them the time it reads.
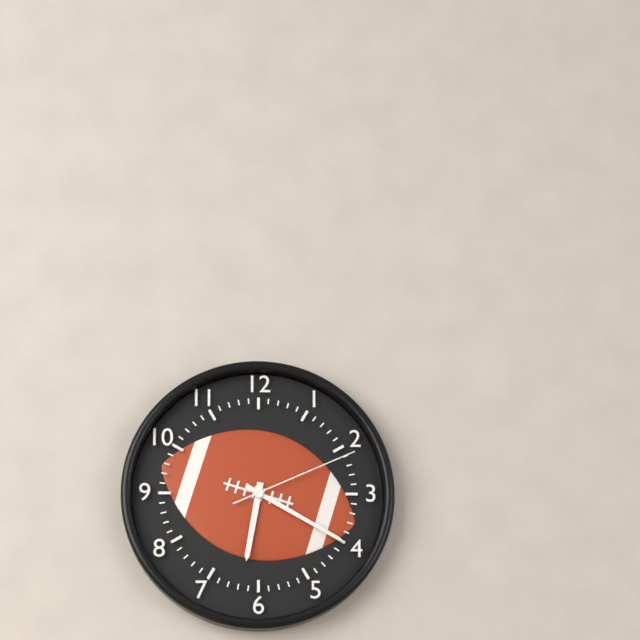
6:20:11
